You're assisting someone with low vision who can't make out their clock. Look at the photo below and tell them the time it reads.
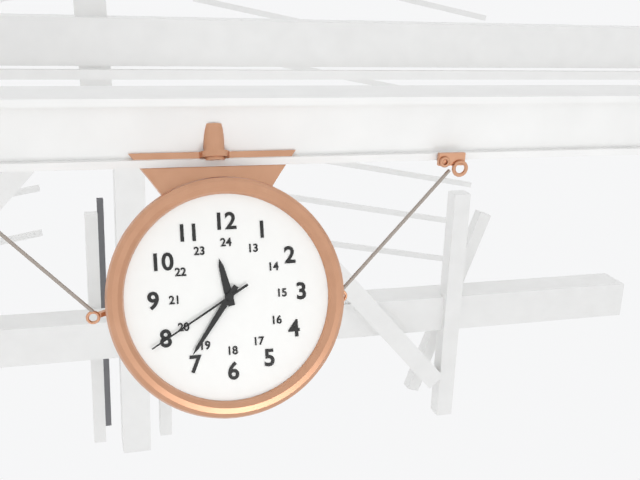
11:36:40
